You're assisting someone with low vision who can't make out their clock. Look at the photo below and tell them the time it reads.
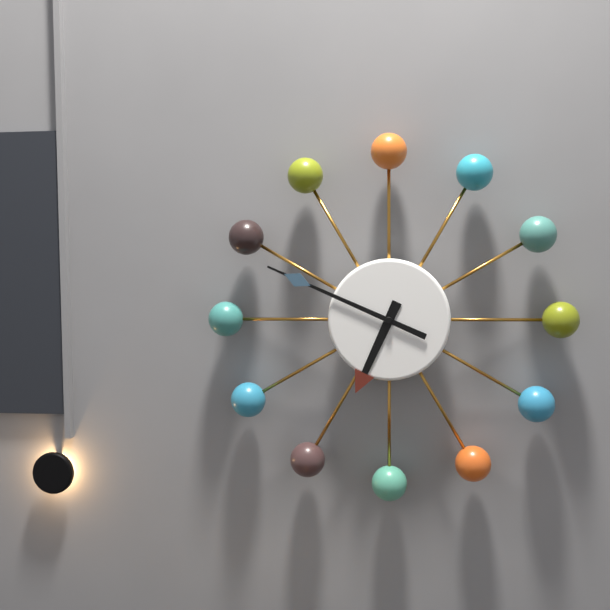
6:49
